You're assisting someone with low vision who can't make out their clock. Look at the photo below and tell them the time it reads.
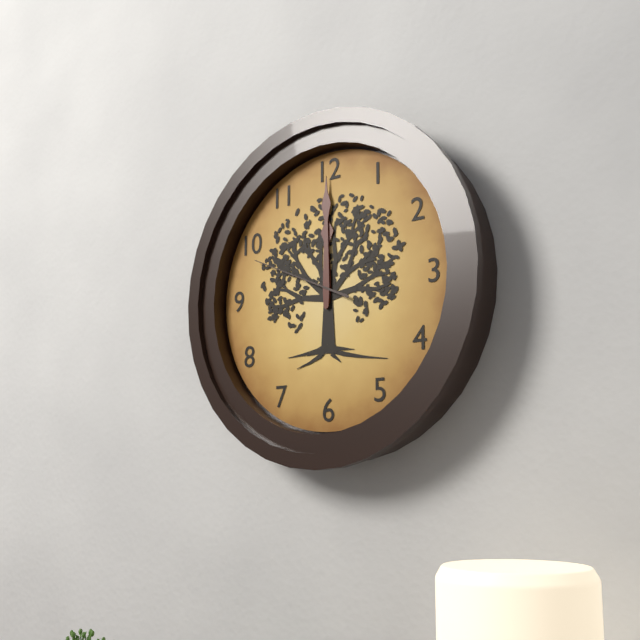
12:00:49
